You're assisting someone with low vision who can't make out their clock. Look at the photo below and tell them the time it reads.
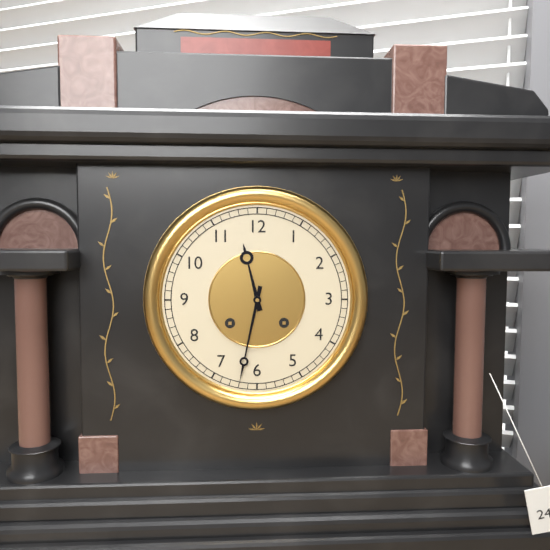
11:32
